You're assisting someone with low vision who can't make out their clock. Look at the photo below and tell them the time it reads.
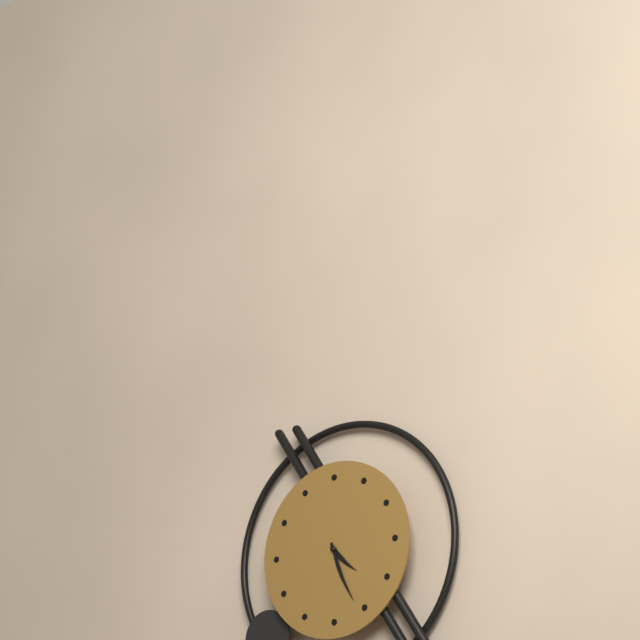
4:26
